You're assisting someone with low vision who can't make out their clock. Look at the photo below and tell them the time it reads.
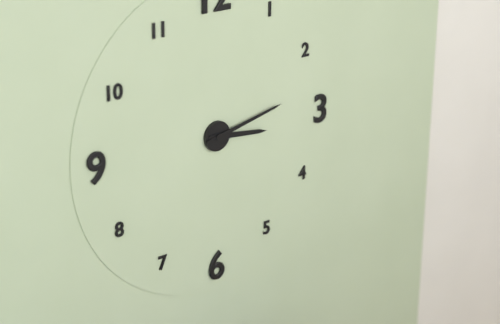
3:13
